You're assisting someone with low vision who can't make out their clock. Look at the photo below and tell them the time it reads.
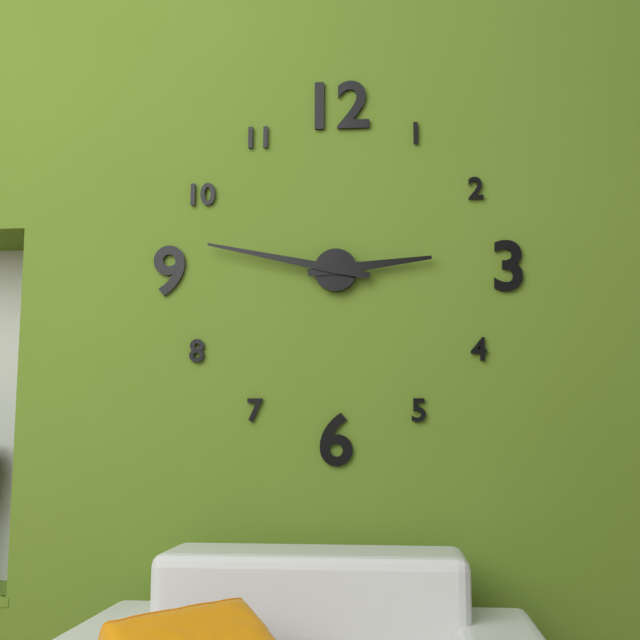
2:47
